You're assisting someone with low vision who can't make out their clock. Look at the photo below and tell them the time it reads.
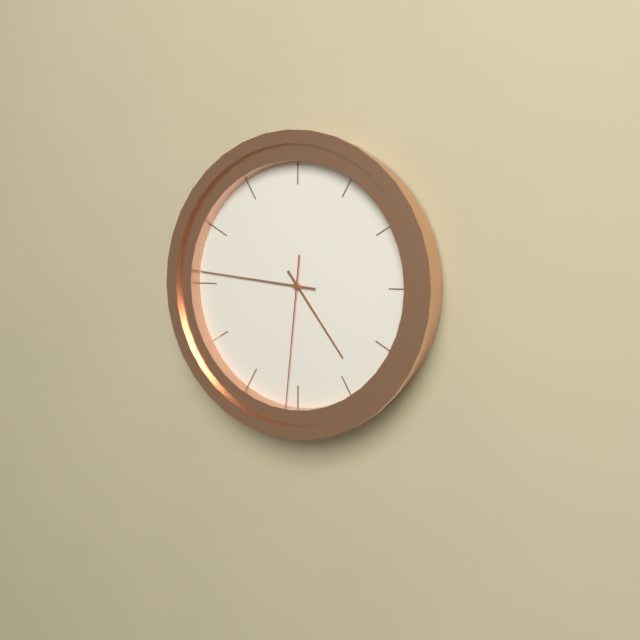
4:46:31
